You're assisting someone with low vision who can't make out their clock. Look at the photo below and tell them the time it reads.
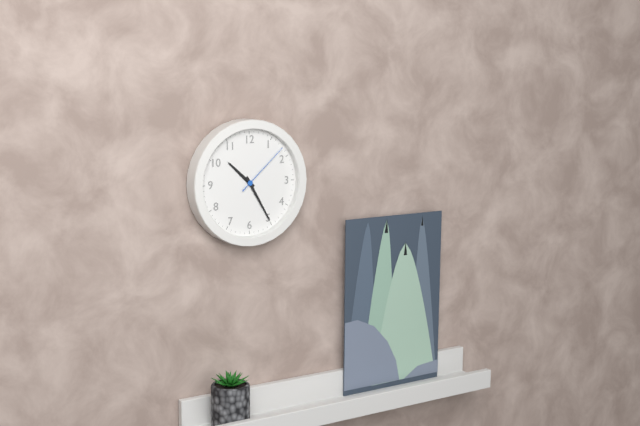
10:25:08
